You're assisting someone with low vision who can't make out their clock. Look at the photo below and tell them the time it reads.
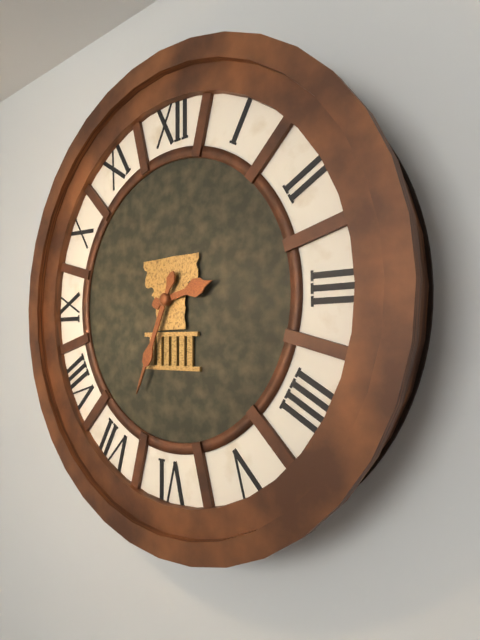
2:34
